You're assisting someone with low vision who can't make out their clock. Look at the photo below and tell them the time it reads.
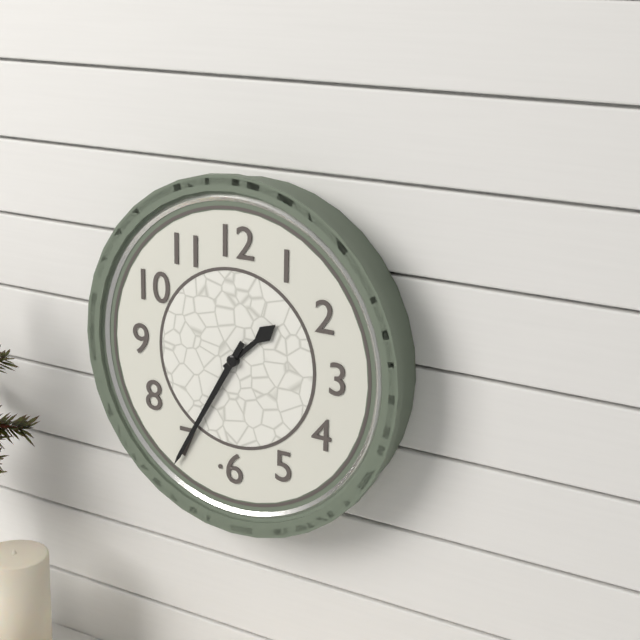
1:35
